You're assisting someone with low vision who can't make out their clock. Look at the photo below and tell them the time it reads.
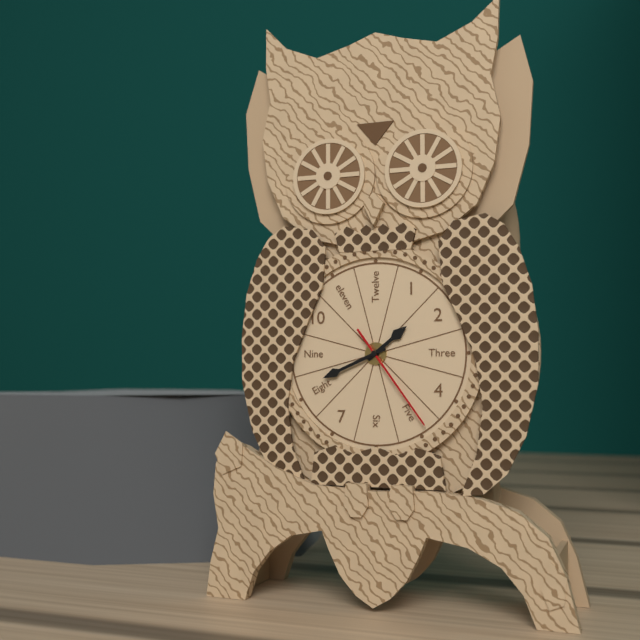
1:41:24
